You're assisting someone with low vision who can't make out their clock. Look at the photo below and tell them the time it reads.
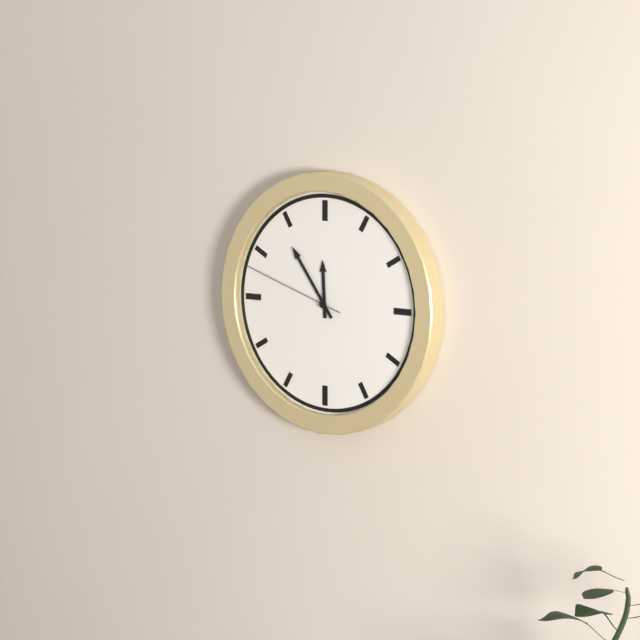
11:54:48
